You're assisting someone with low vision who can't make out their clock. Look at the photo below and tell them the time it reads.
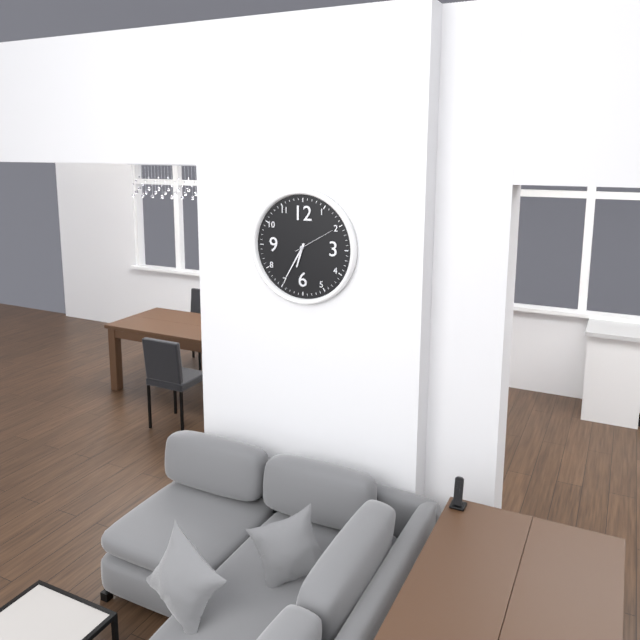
6:35
